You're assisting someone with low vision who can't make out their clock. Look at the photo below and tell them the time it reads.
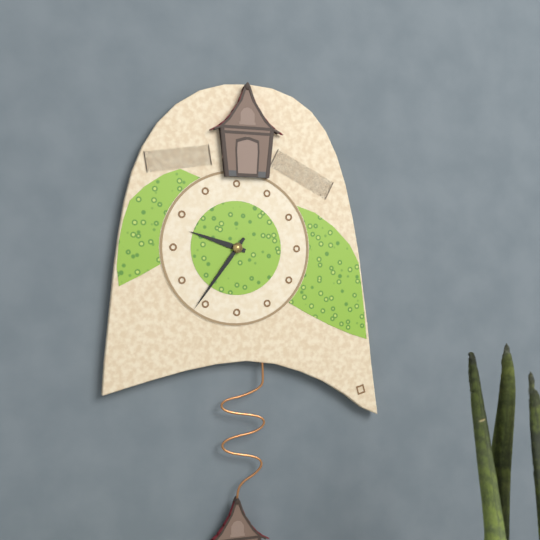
9:36
